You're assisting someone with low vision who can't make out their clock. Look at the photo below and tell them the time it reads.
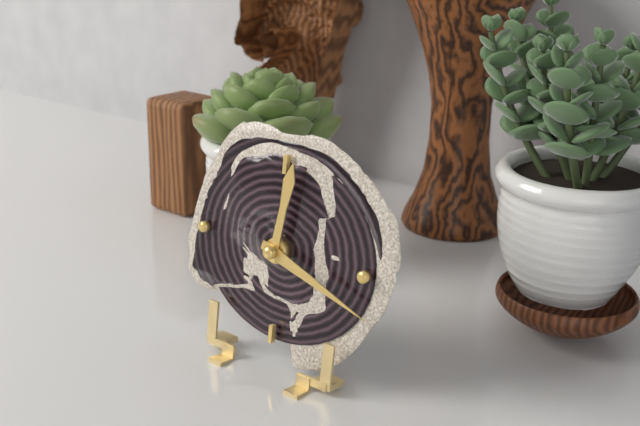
12:18
